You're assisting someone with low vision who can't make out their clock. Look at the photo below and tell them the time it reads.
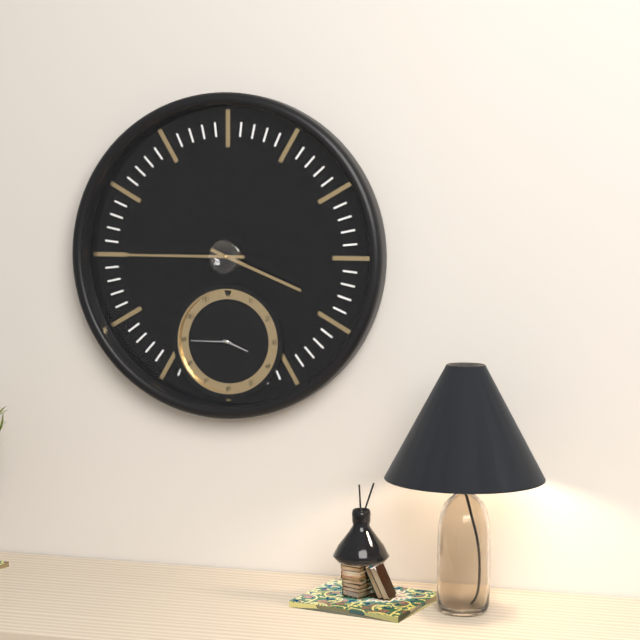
3:45
